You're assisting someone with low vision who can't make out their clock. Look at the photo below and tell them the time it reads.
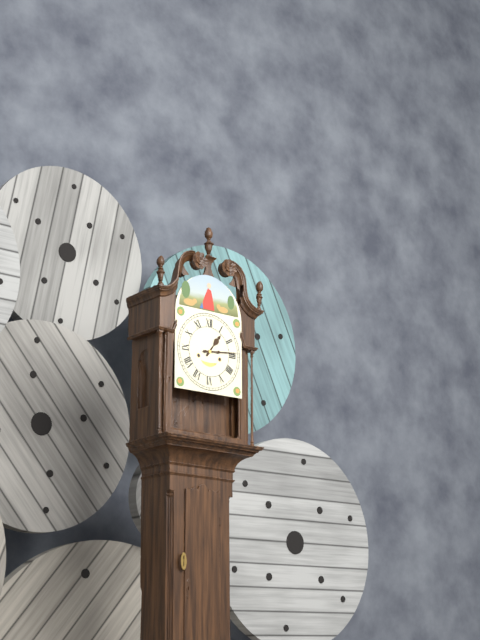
1:14
